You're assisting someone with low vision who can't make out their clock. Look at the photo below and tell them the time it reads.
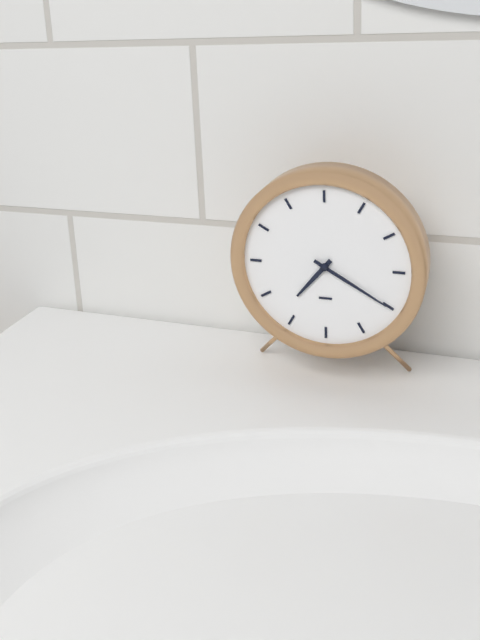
7:20
